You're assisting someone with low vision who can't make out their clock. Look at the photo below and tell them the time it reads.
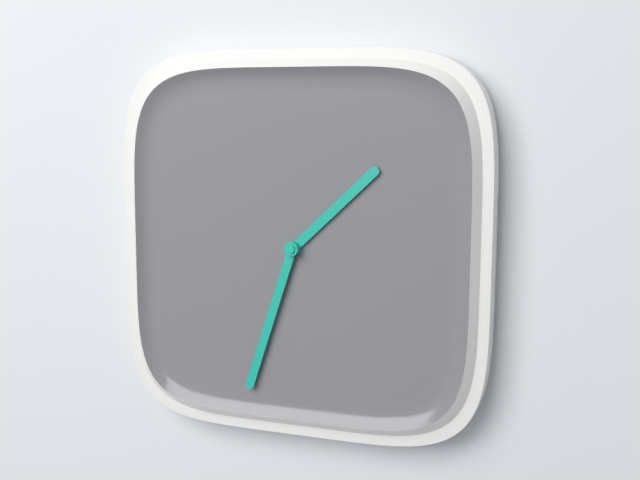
1:33
